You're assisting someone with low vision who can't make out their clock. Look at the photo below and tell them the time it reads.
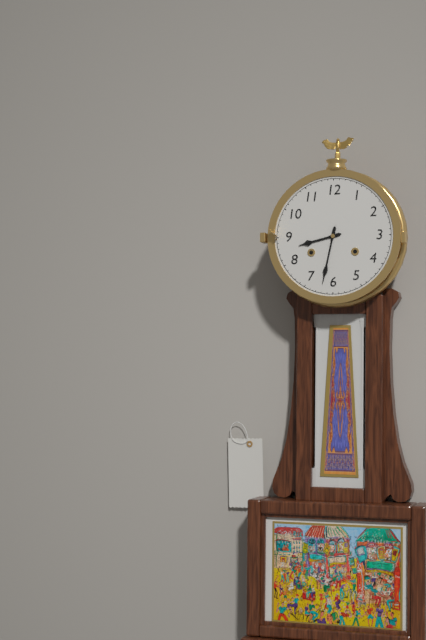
8:32
